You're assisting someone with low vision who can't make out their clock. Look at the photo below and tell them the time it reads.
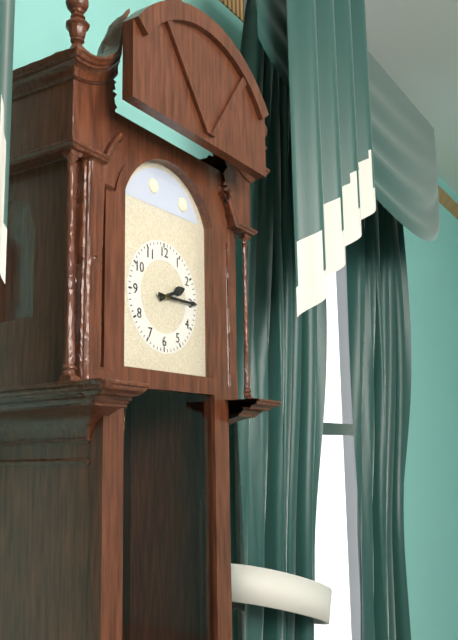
2:15
